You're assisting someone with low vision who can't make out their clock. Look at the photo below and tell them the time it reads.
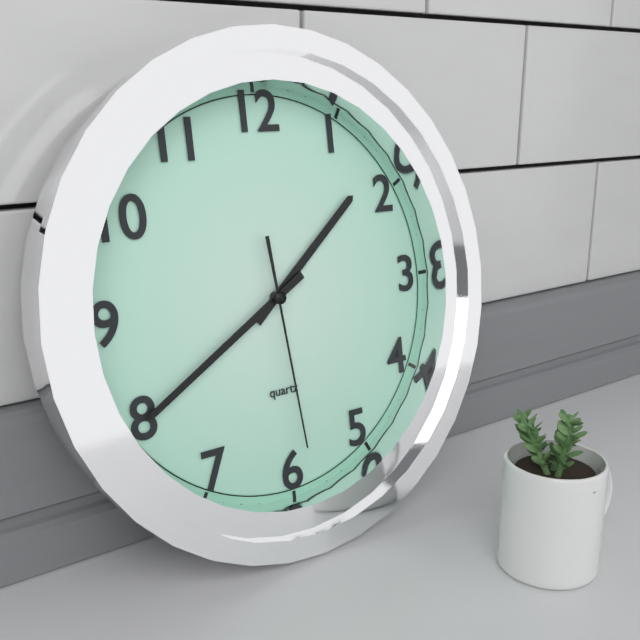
1:40:29
